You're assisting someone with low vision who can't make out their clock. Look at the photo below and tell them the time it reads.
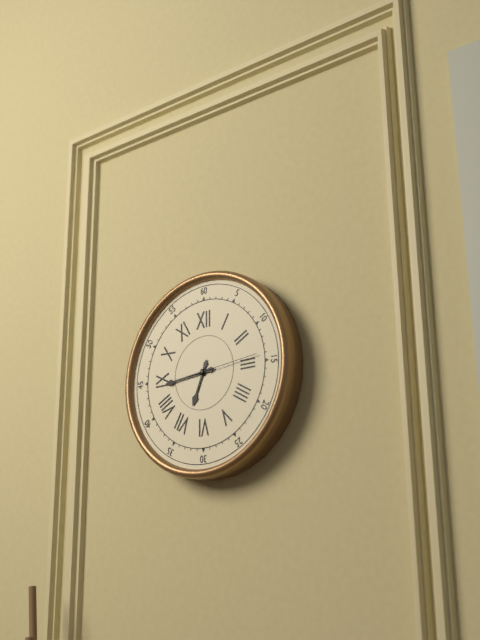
6:44:14
